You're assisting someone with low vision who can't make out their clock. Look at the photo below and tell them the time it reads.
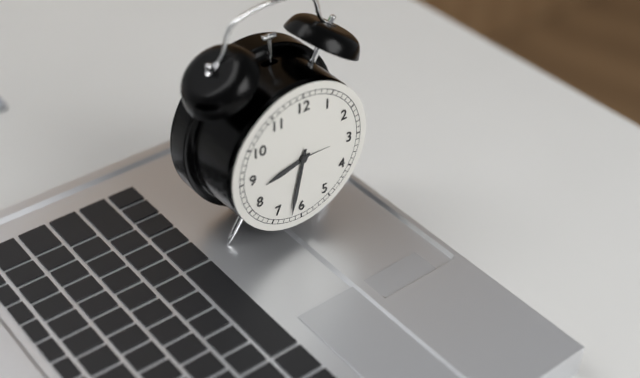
8:32
